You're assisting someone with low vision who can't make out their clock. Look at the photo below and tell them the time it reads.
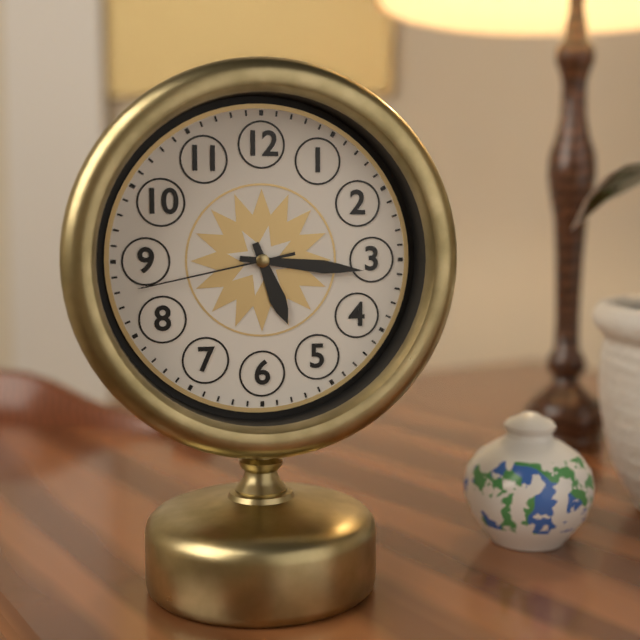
5:16:43
